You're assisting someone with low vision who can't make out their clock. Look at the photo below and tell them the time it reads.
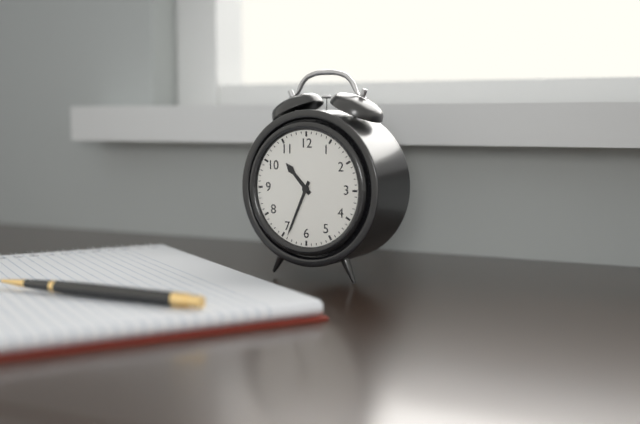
10:34
